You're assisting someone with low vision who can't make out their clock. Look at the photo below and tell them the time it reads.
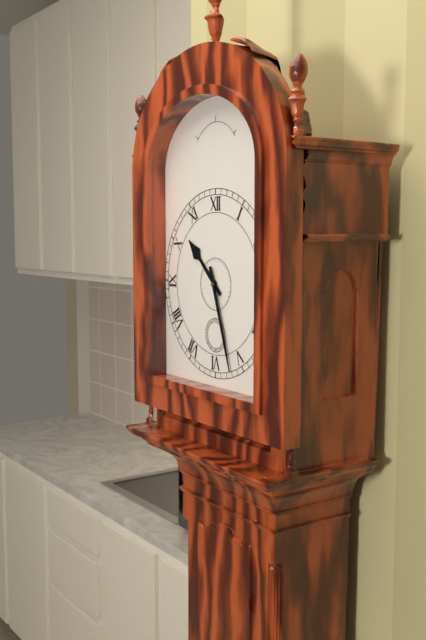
10:27
